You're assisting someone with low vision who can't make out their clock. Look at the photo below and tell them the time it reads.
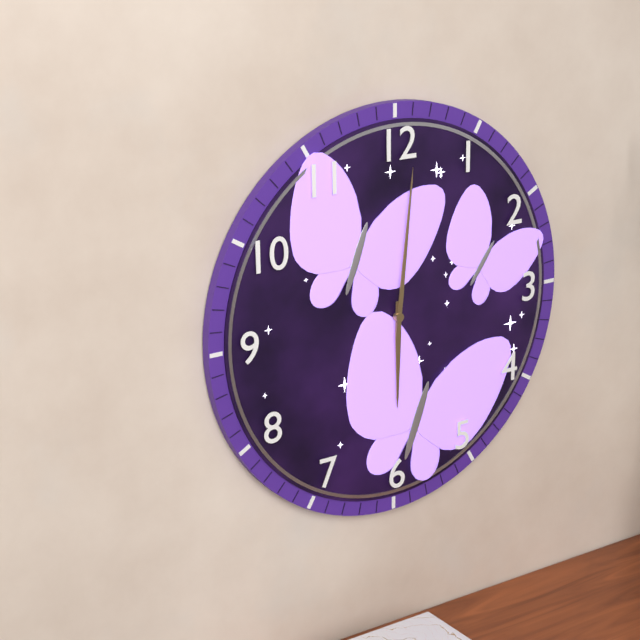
6:01
